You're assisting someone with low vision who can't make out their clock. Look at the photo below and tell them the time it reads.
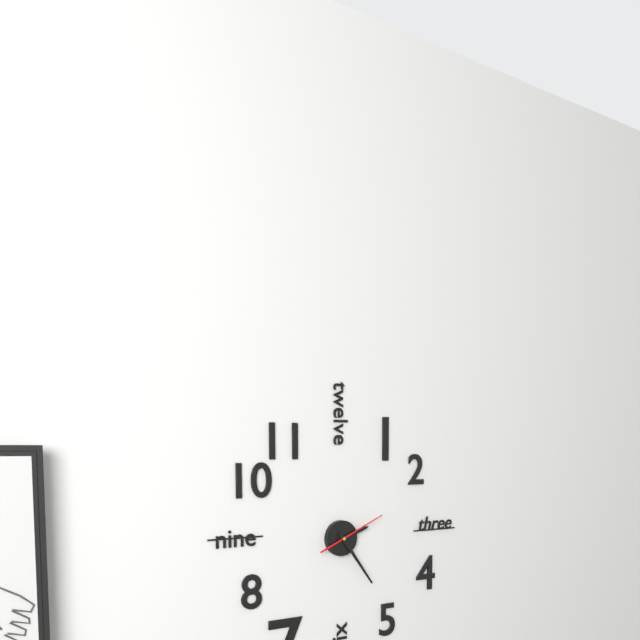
2:24:11
